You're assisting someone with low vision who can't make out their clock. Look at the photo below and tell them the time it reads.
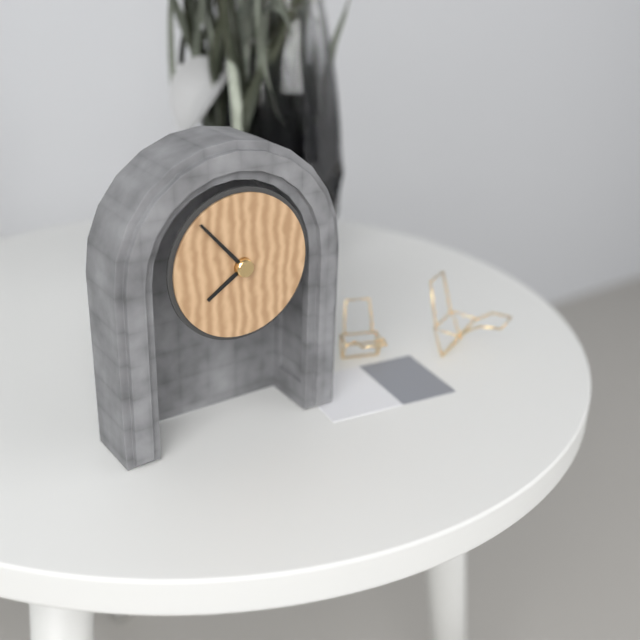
7:53
